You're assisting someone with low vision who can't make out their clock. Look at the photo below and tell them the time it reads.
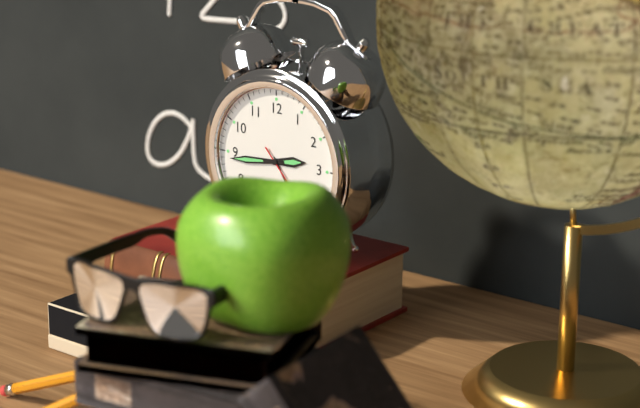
2:44
